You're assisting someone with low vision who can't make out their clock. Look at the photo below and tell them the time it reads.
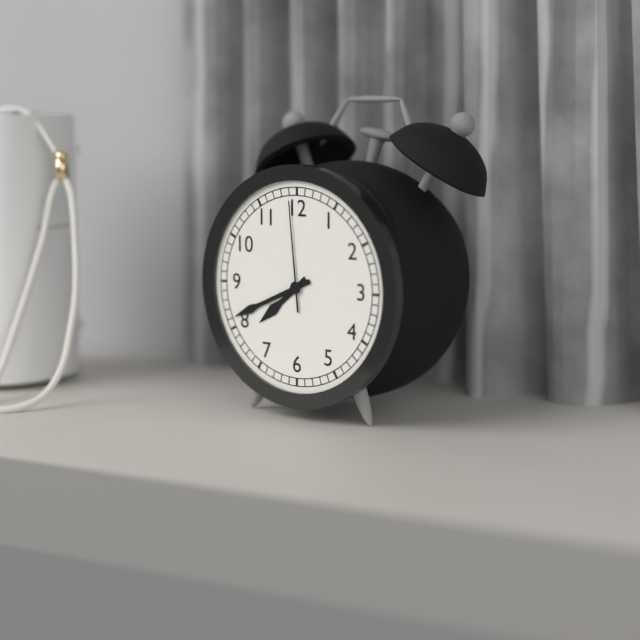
7:41:59
